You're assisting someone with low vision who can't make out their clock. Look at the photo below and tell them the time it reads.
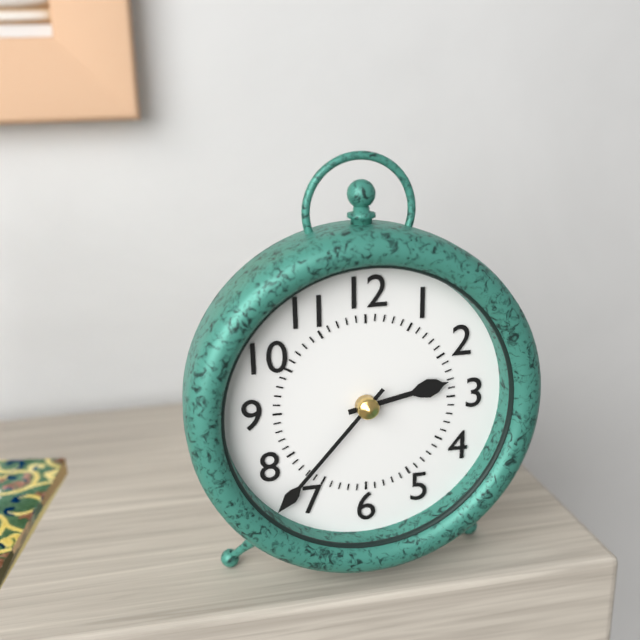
2:37
